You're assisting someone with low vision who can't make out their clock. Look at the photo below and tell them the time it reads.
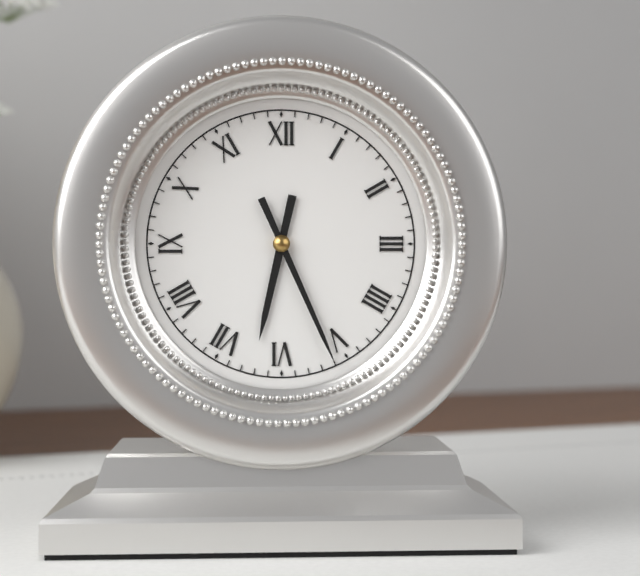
6:26
